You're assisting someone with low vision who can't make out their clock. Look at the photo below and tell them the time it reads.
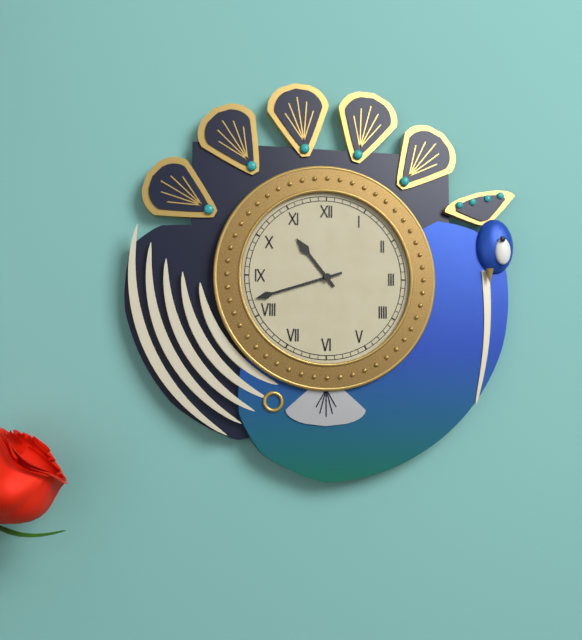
10:42
